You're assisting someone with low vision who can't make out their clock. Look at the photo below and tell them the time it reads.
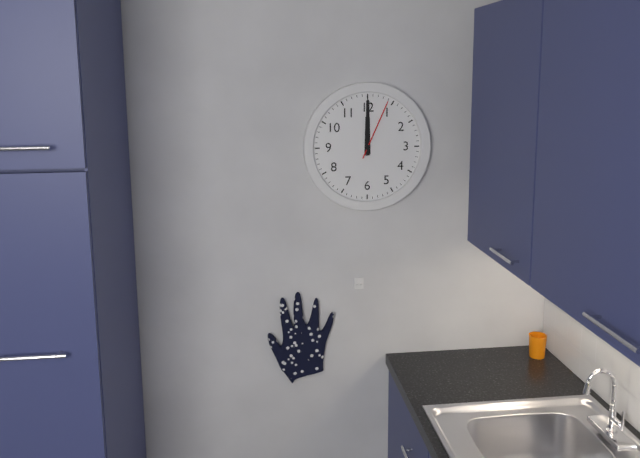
12:00:04
